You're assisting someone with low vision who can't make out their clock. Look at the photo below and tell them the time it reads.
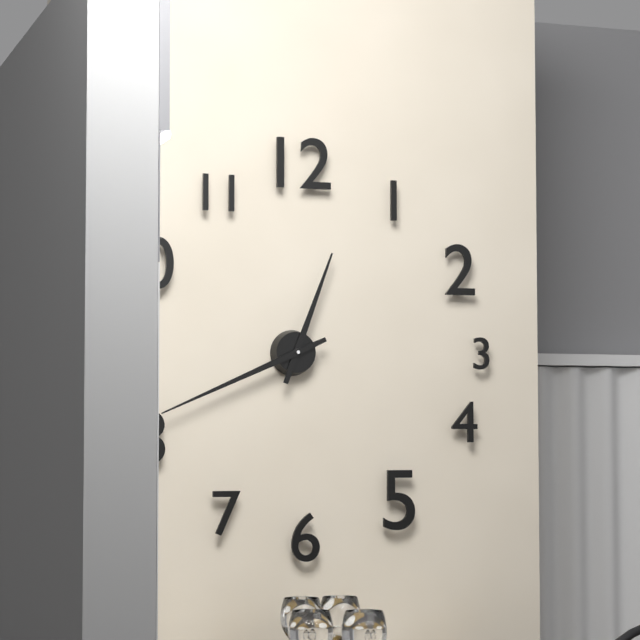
12:41
